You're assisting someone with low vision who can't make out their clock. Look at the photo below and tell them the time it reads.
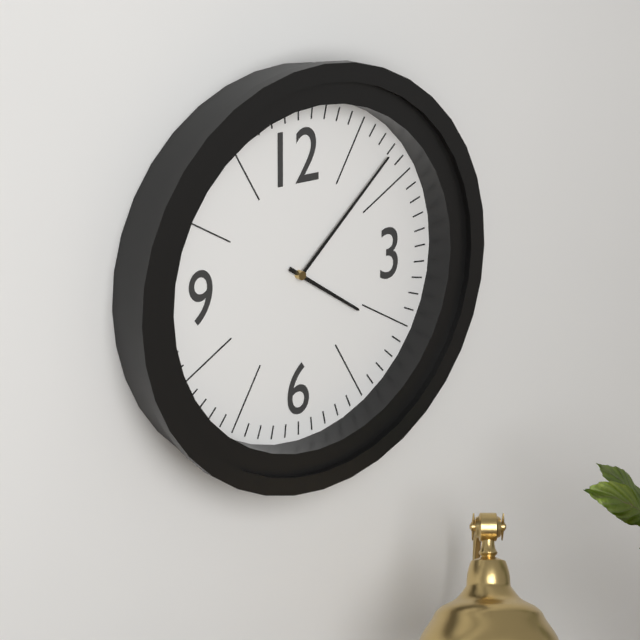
4:08
